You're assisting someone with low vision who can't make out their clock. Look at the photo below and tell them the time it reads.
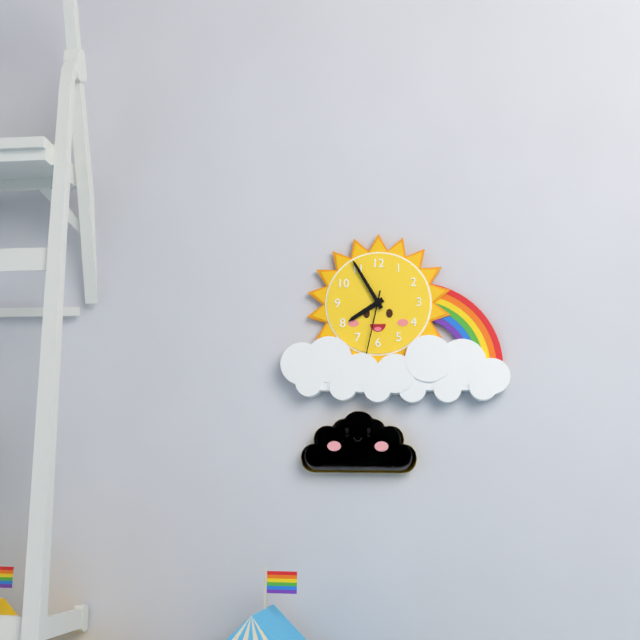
7:55:32
